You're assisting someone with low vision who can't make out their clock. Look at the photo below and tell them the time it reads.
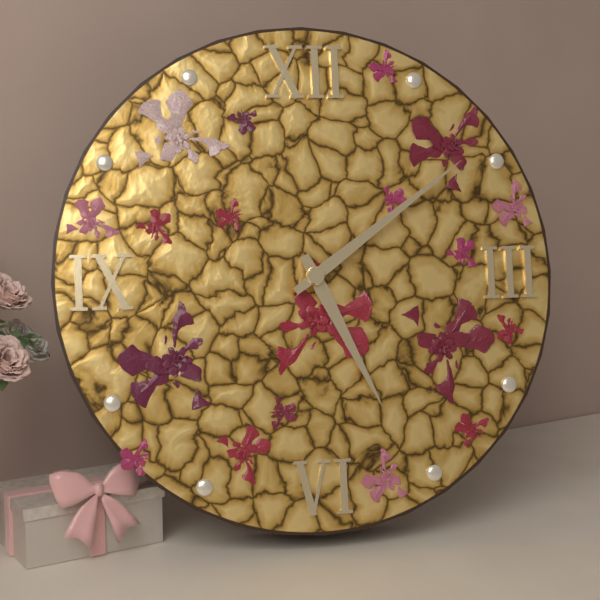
5:09
